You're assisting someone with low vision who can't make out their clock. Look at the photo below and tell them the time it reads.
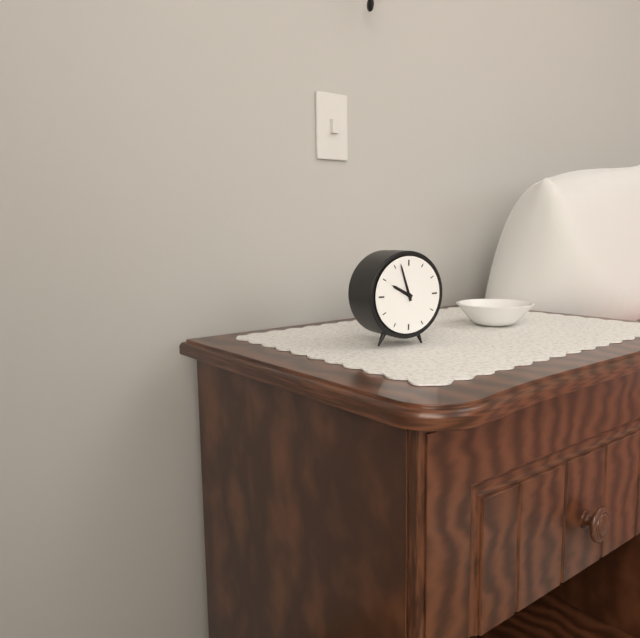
9:57
